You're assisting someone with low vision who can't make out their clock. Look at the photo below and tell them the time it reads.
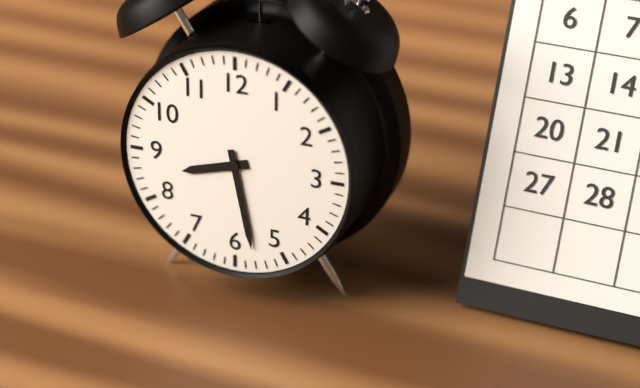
8:28
